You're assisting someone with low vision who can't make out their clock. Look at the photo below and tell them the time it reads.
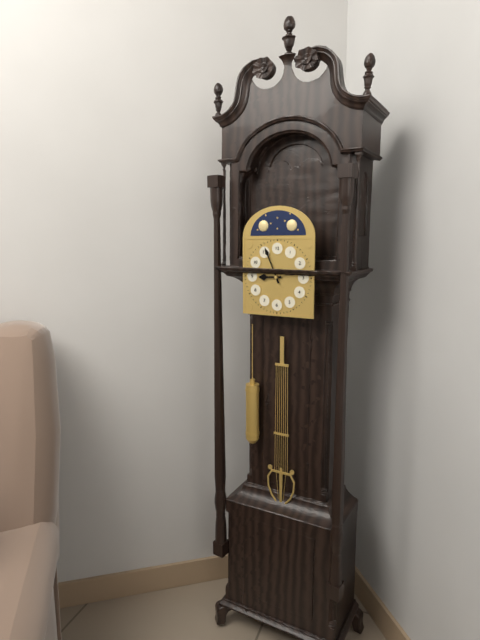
8:56
